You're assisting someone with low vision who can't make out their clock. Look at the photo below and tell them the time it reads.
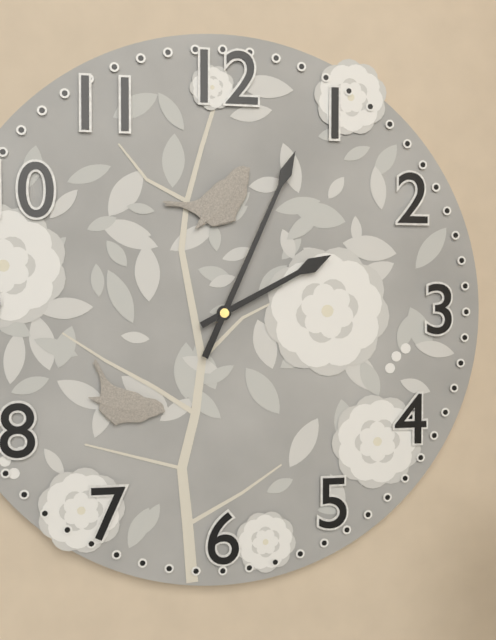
2:04
